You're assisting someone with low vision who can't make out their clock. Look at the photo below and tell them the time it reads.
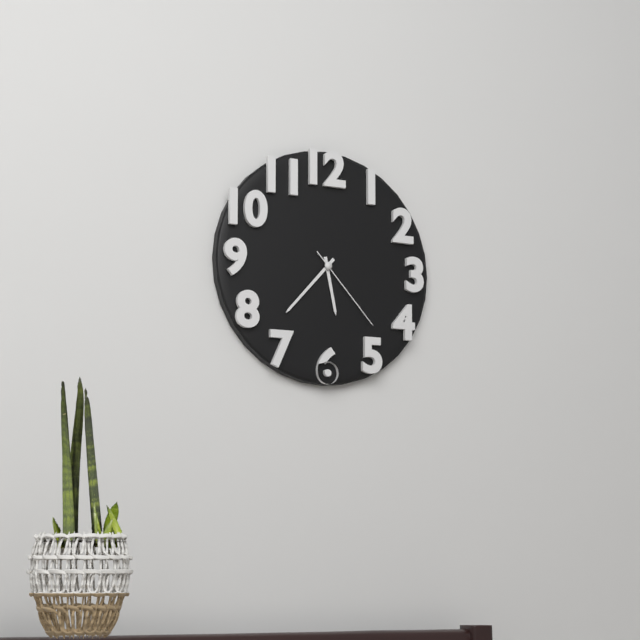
5:37:23
